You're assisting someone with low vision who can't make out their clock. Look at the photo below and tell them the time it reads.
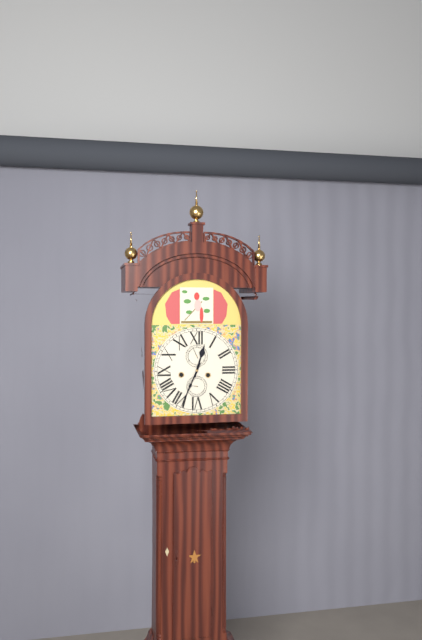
12:34
